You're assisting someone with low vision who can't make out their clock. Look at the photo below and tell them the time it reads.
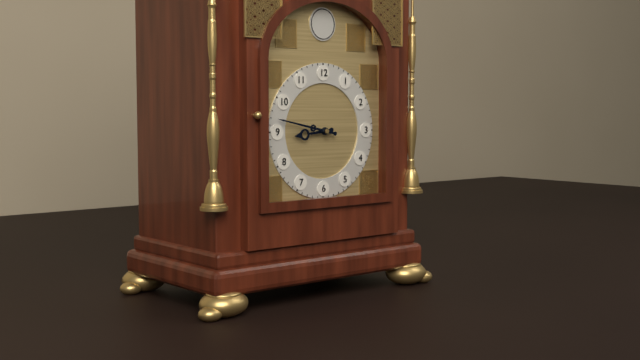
8:47
